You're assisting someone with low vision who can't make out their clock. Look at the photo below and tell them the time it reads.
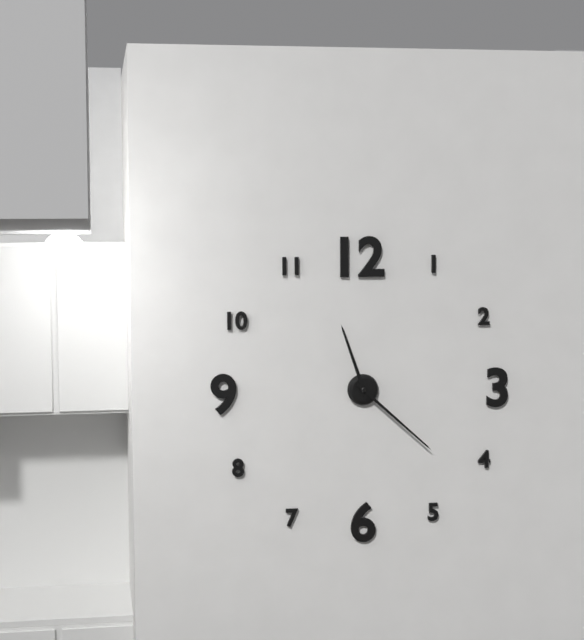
11:22
